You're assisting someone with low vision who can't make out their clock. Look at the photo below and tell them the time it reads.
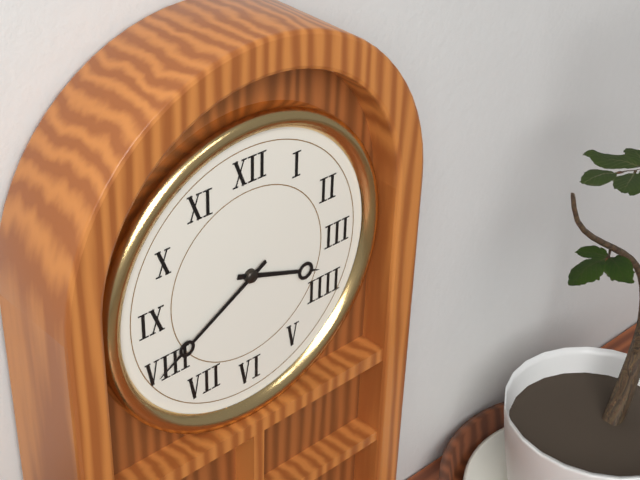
3:40
